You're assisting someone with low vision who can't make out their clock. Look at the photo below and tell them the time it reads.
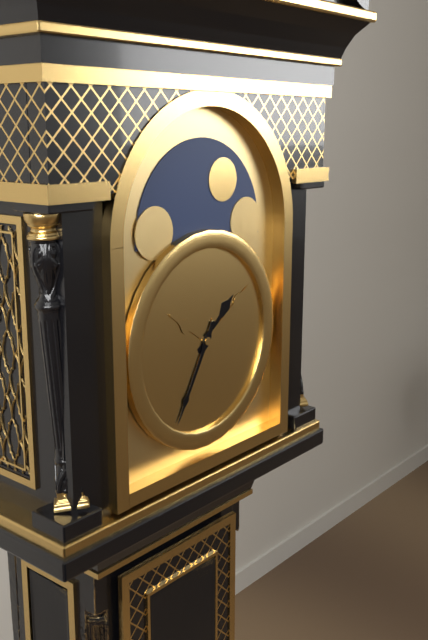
1:35
